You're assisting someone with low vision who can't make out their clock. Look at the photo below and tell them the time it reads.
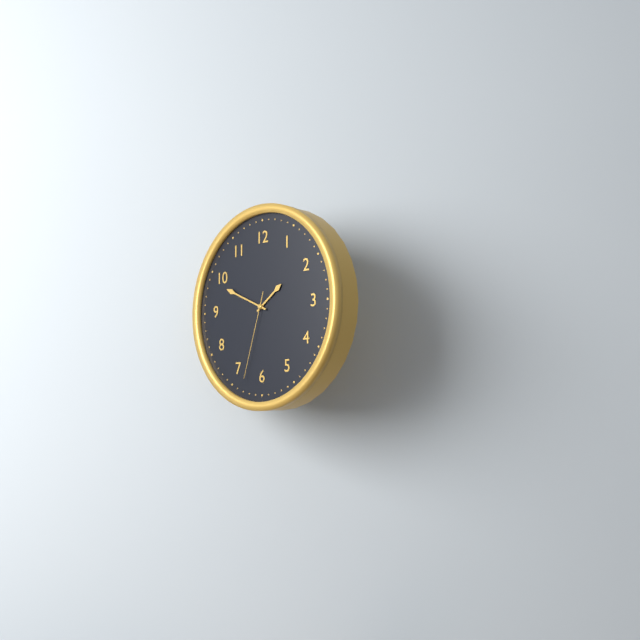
1:49:33
